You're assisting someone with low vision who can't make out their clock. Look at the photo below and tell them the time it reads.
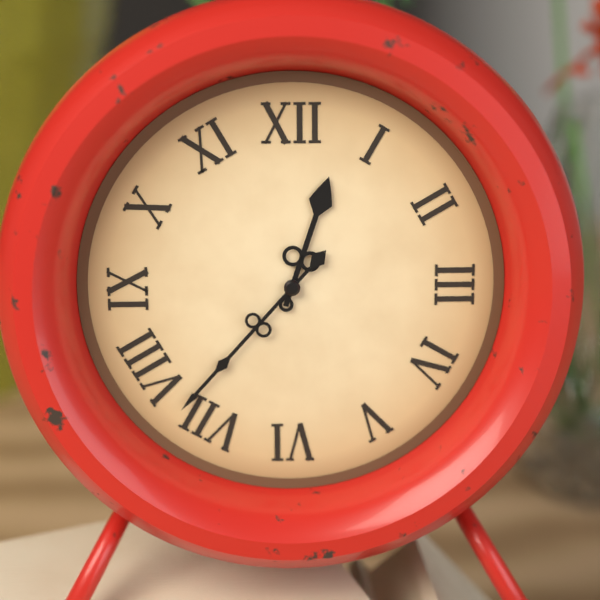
12:37
